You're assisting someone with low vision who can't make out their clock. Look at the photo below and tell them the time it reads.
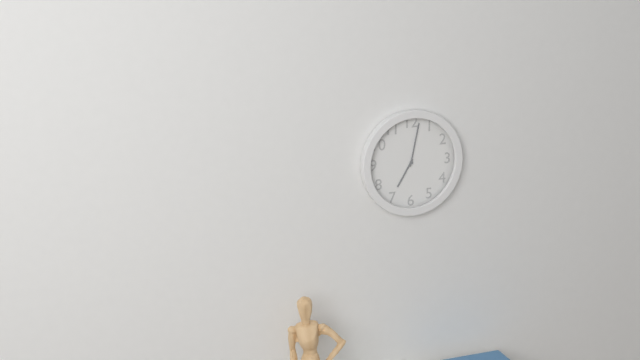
7:02
